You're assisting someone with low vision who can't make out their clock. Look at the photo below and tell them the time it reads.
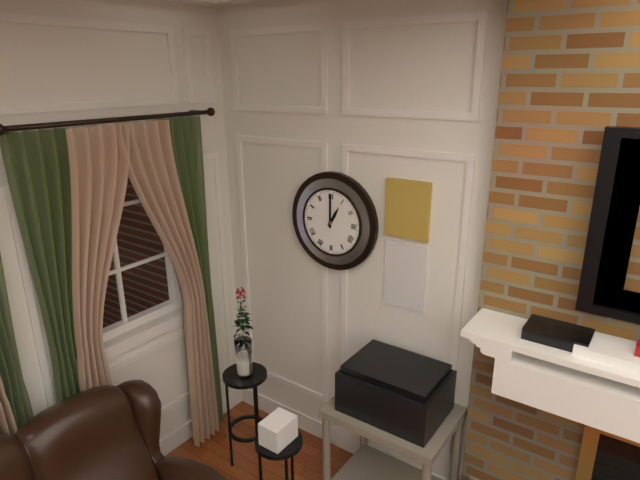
1:00
